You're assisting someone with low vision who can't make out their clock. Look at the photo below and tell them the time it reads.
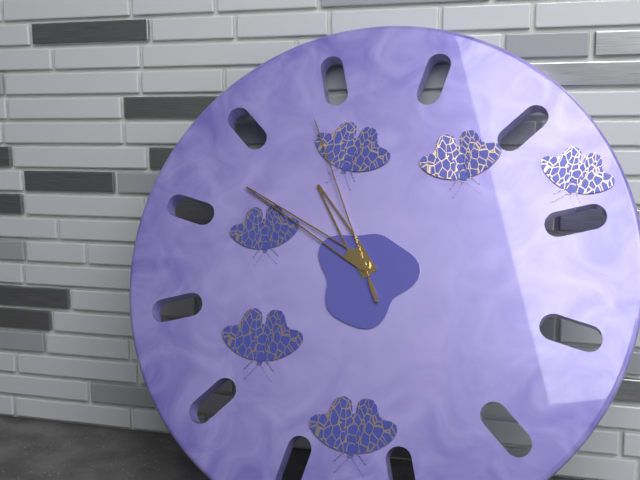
10:50:56
